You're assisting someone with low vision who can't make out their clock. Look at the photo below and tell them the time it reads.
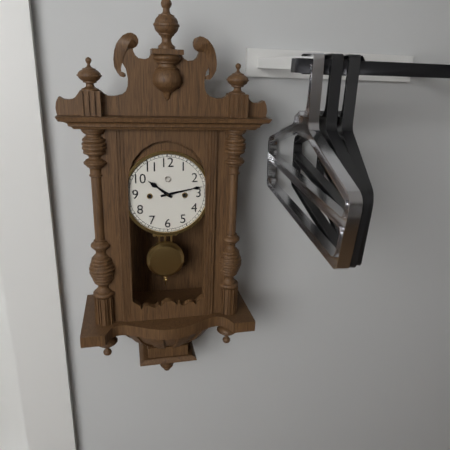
10:13
